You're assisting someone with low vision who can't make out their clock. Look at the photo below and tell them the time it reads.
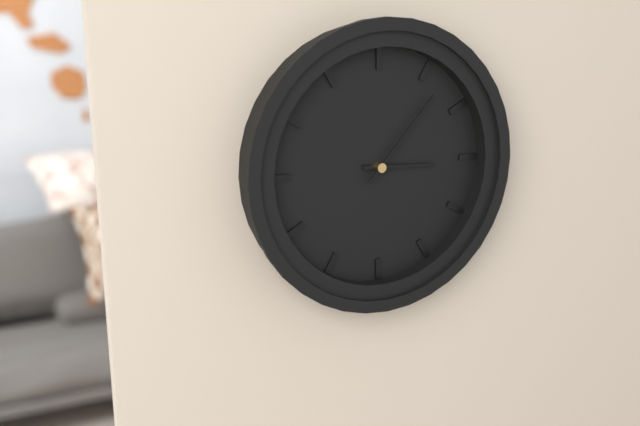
3:07
